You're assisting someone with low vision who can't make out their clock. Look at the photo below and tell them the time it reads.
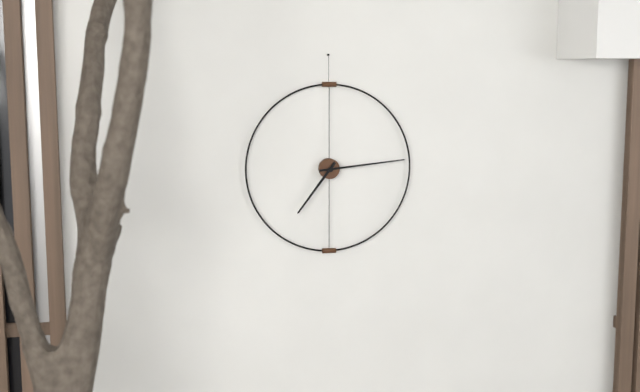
7:14
